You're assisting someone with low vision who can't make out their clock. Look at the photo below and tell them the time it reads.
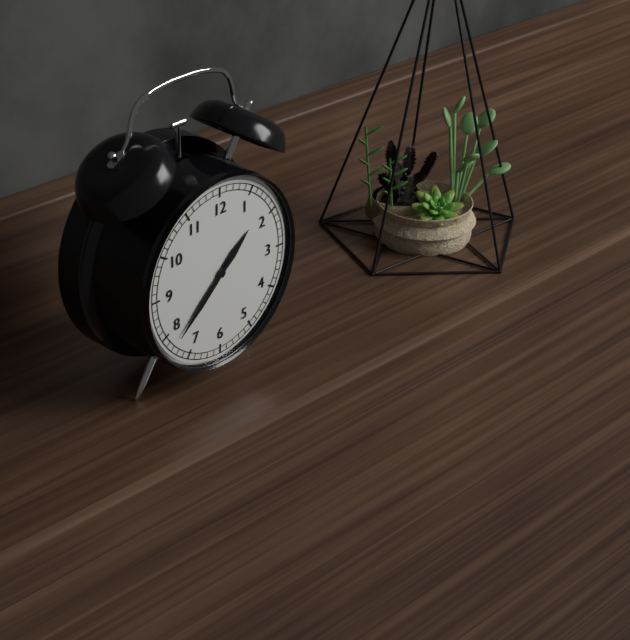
1:38
